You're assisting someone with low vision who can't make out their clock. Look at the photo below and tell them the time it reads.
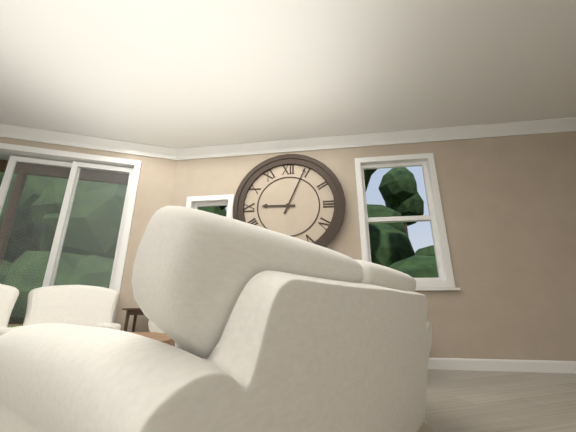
9:04
